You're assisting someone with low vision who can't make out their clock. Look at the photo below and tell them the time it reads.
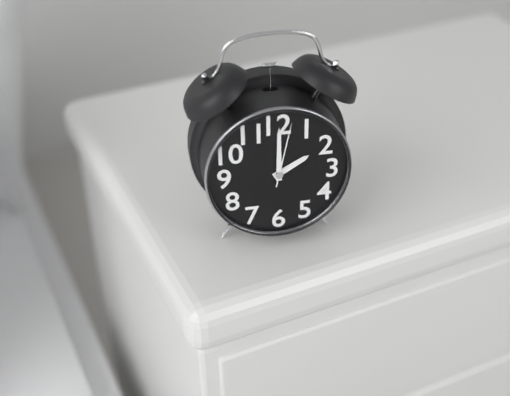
2:00:02
